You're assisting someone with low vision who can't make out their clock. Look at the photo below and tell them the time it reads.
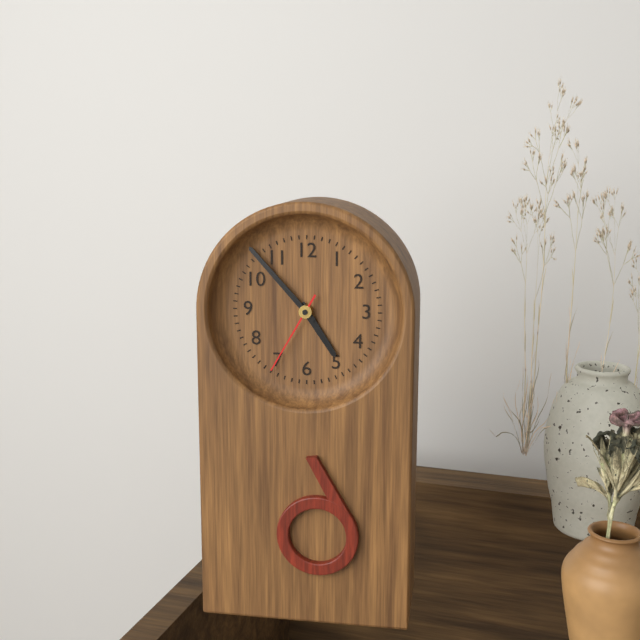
4:53:35
